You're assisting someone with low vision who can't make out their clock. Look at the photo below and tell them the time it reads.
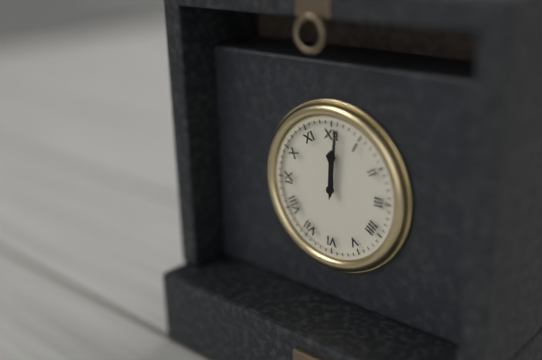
12:01
